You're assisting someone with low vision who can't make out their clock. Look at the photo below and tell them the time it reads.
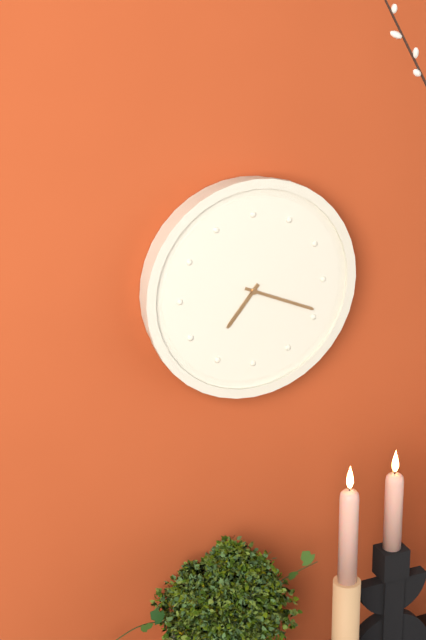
7:19
